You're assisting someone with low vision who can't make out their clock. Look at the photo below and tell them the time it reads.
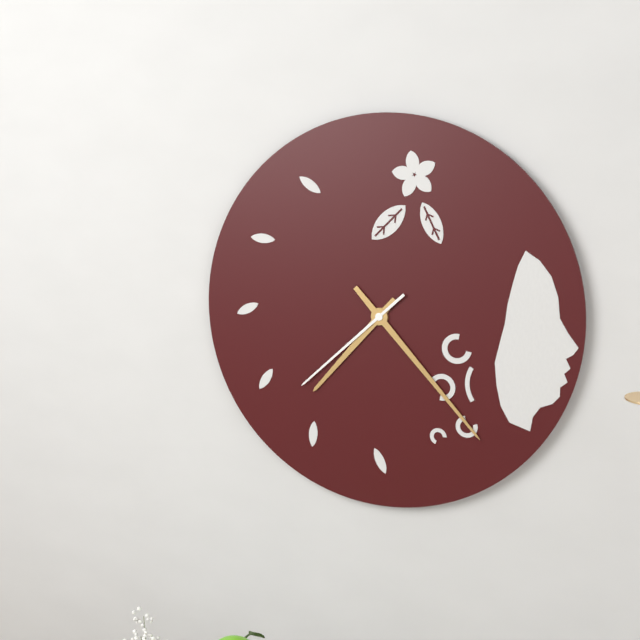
7:23:38
